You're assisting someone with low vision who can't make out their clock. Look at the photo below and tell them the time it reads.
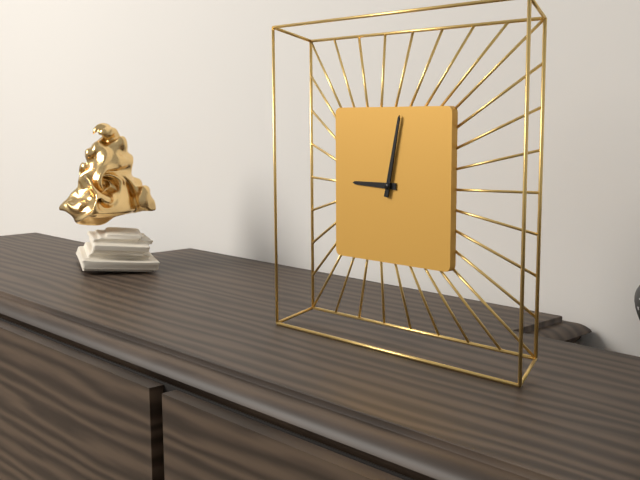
9:02
